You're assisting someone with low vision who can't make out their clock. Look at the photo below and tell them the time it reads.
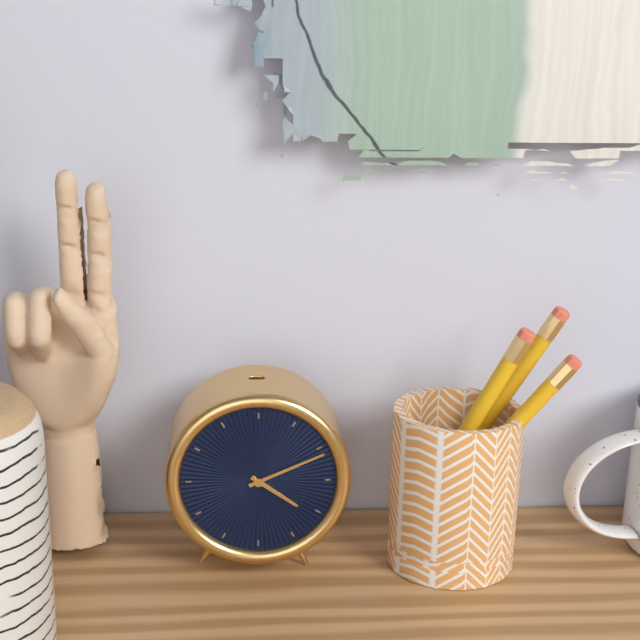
4:11
